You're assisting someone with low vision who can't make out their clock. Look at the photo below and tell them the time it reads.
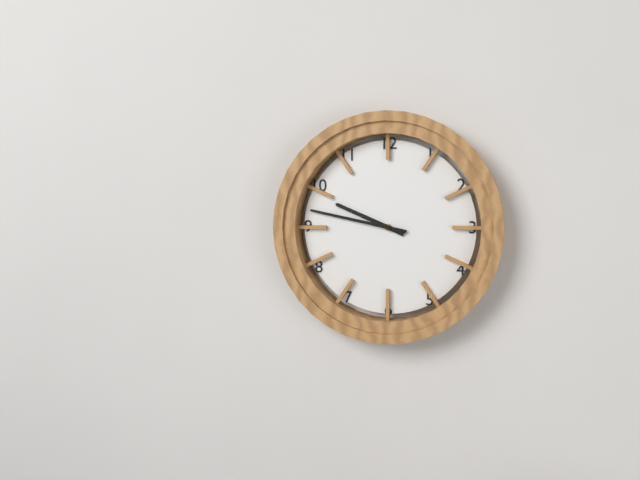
9:47
